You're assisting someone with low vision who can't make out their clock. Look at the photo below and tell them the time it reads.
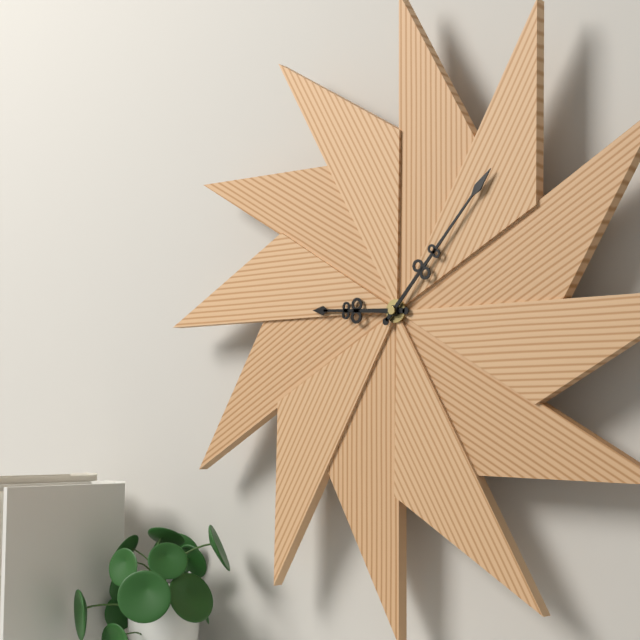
9:07
